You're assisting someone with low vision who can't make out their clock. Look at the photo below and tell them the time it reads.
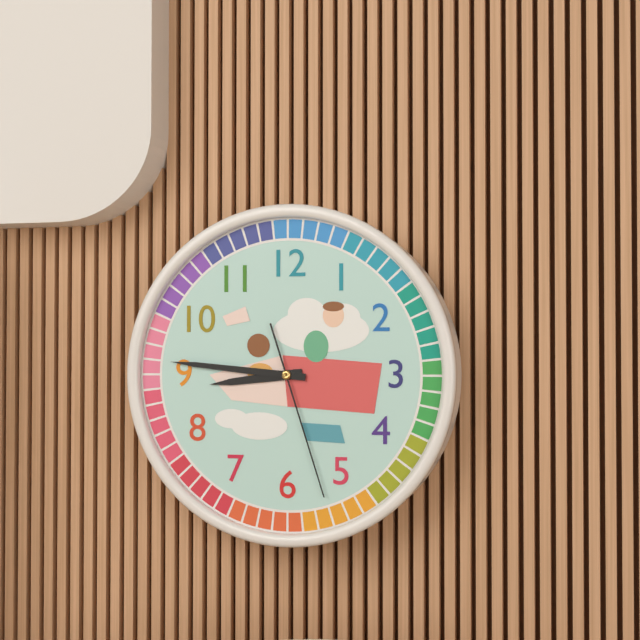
8:46:27
